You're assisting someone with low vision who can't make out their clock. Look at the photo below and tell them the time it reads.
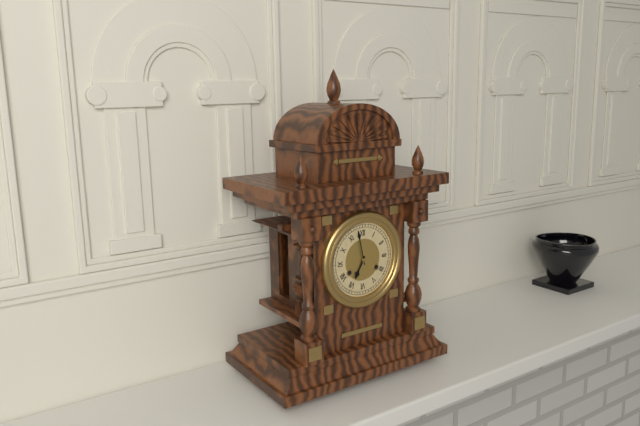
6:58
